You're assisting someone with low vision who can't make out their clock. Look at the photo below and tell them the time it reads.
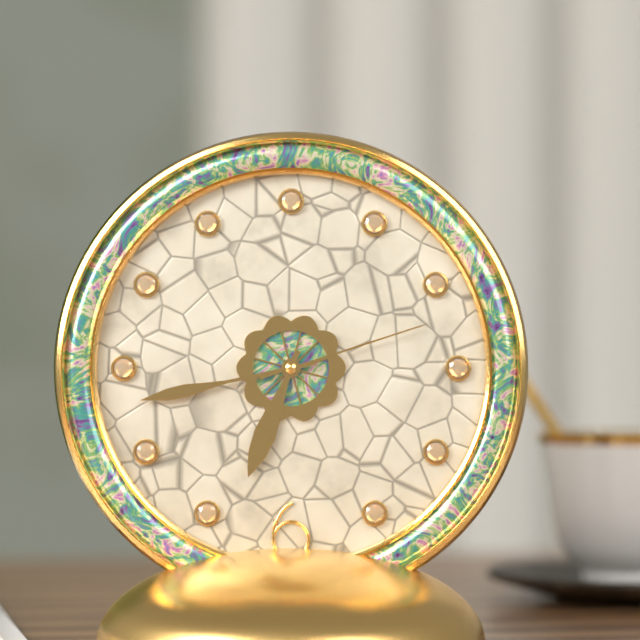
6:43:12
